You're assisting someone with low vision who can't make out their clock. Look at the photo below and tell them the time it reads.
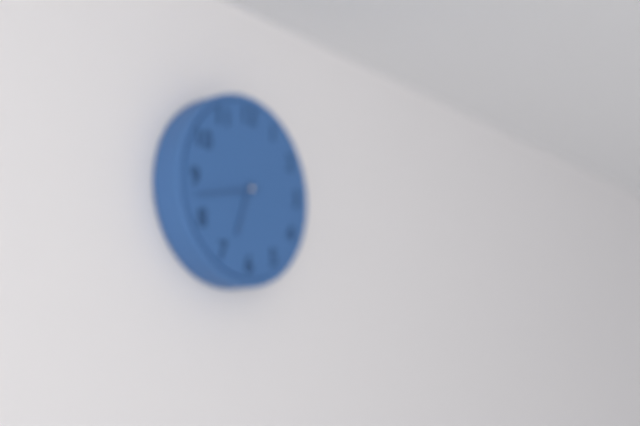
6:43
